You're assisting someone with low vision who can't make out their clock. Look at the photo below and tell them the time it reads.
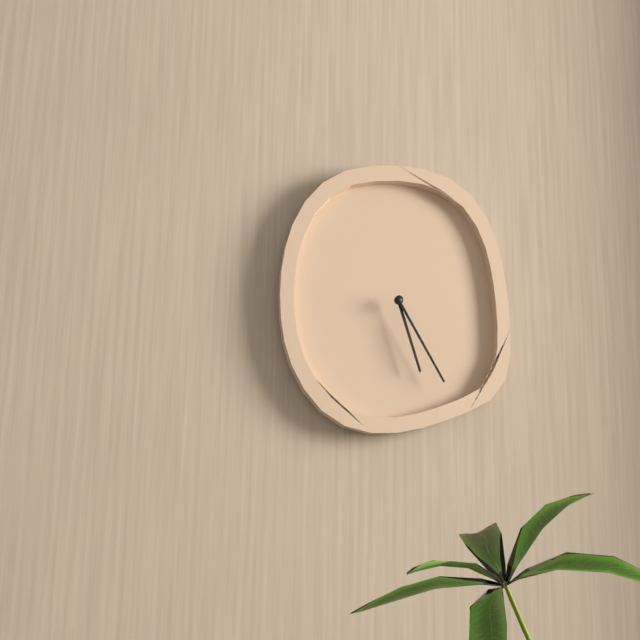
5:25
